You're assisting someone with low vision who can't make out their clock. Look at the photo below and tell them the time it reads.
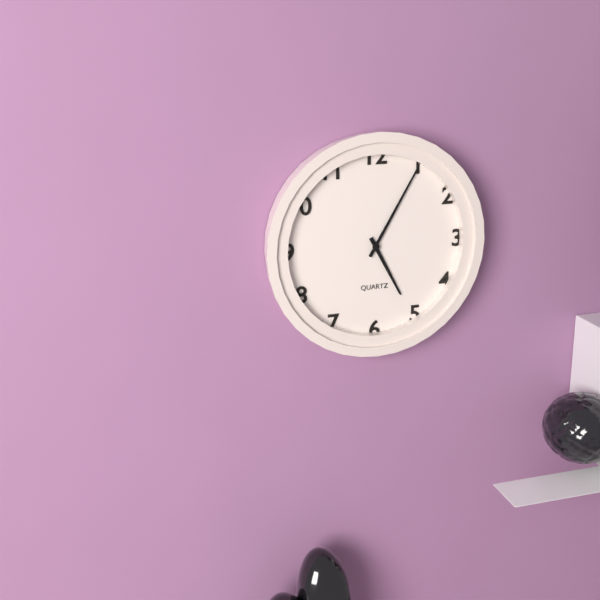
5:05
